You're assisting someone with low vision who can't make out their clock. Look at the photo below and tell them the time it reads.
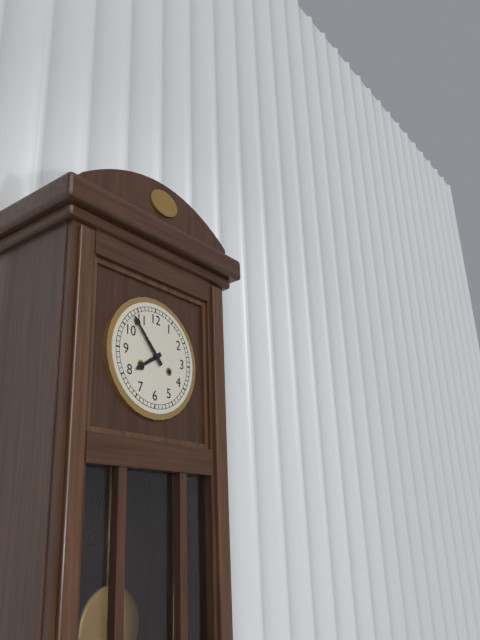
7:53
